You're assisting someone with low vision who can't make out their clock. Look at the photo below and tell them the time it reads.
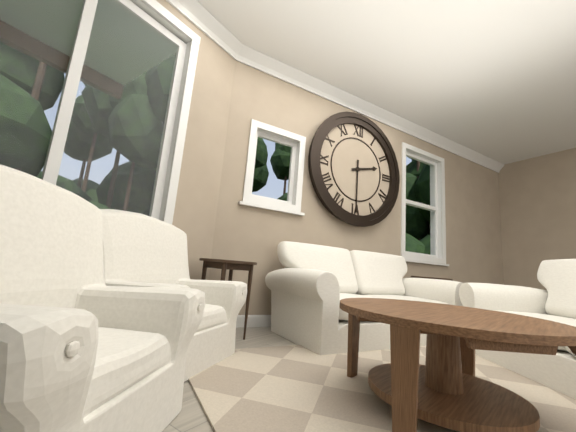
2:30
